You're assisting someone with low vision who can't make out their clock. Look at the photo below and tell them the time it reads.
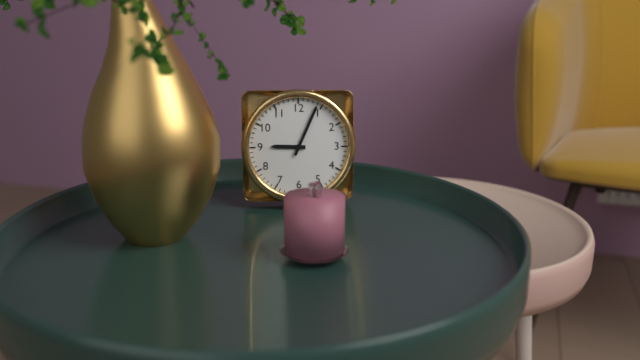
9:04
